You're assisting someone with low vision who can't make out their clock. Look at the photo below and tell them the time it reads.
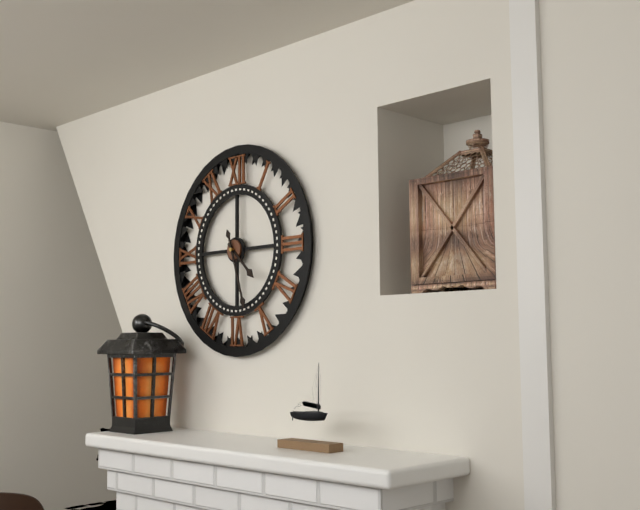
4:27
